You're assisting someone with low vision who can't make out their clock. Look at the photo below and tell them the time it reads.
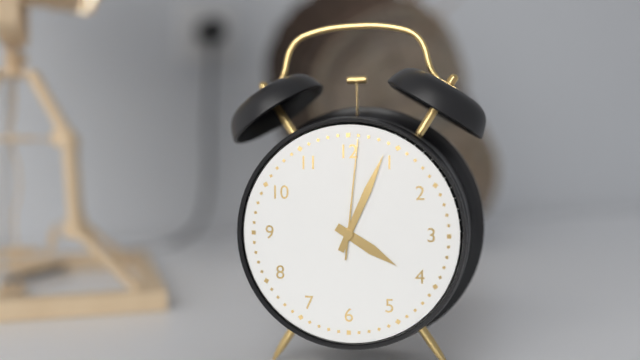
4:04:01
